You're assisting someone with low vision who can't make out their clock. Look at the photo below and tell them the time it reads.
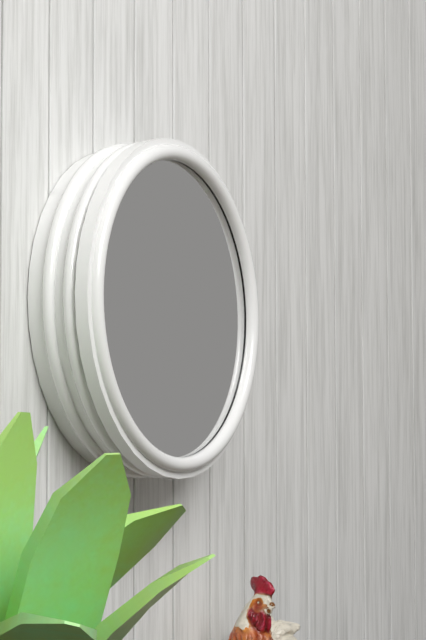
1:04:19
